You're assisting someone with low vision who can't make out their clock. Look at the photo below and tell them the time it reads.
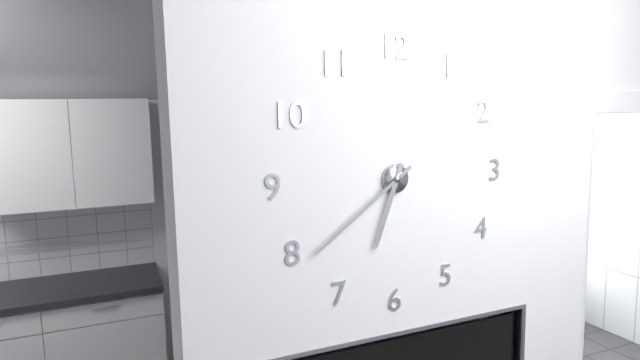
6:39
